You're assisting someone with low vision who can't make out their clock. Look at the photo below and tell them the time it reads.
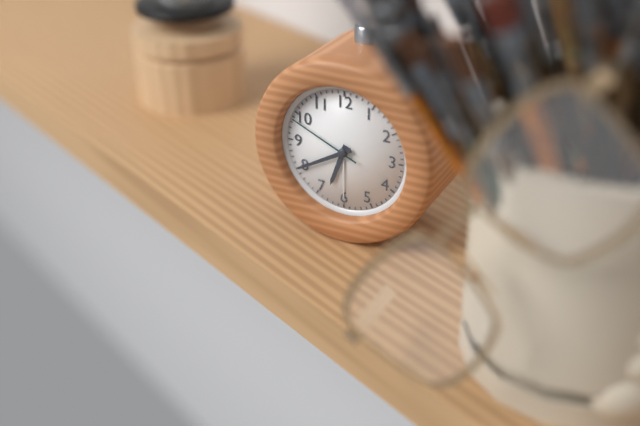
6:40:49
